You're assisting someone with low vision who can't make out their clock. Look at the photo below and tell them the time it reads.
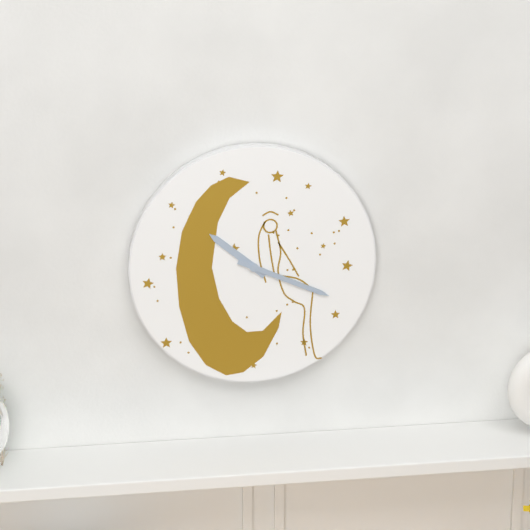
10:19
